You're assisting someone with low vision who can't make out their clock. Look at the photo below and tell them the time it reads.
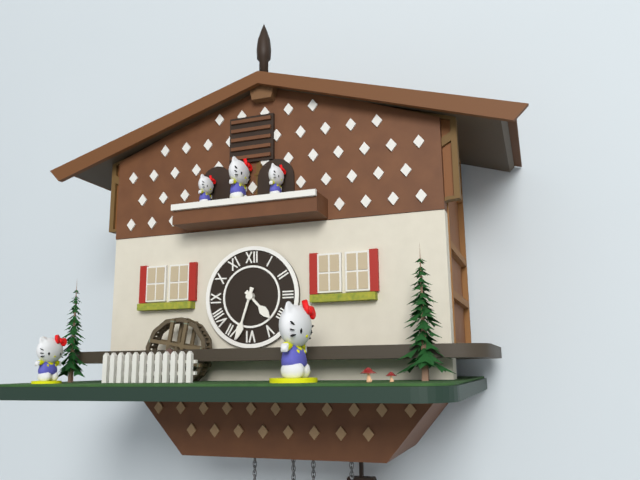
4:33
